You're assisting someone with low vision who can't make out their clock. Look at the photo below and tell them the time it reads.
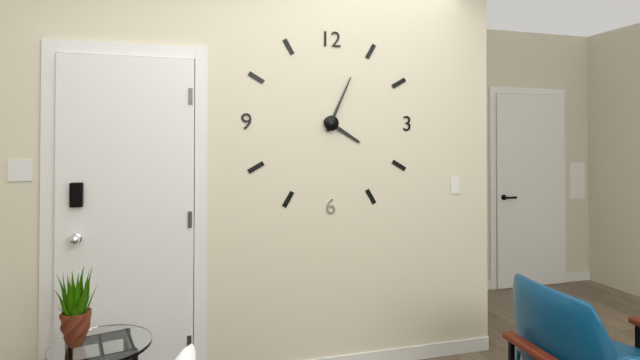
4:04
